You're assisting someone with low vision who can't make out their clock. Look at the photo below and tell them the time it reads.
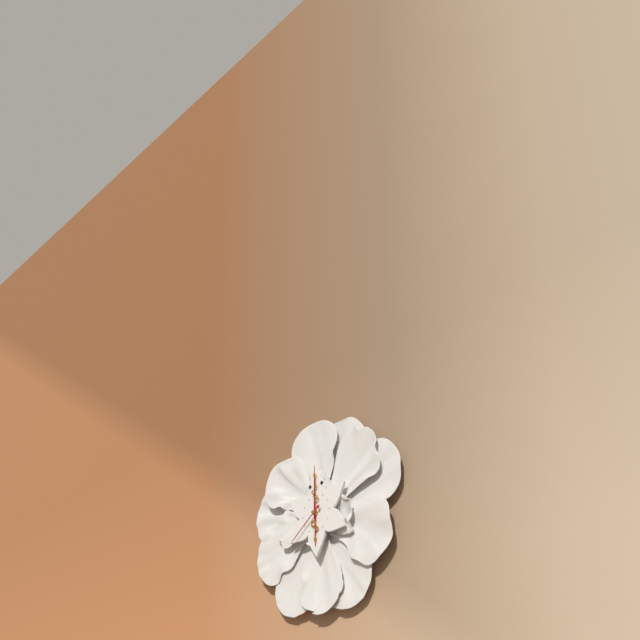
6:00
